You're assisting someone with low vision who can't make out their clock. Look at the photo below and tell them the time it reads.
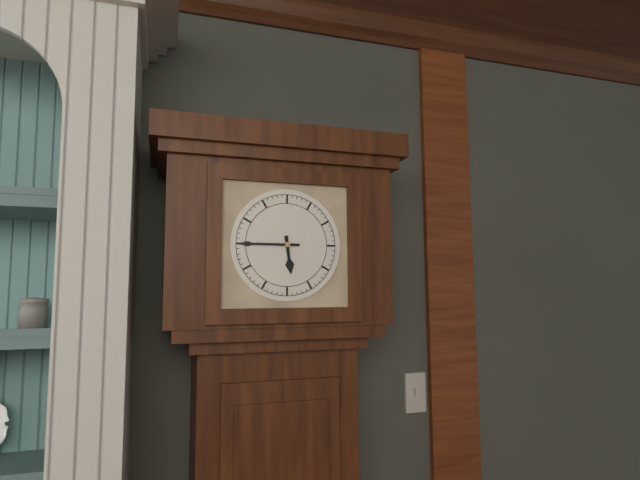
5:45
